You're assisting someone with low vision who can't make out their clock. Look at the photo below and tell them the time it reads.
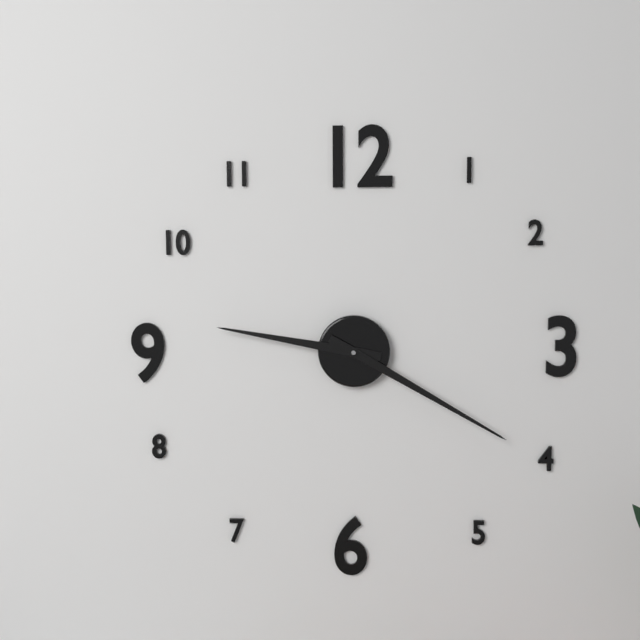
9:20
